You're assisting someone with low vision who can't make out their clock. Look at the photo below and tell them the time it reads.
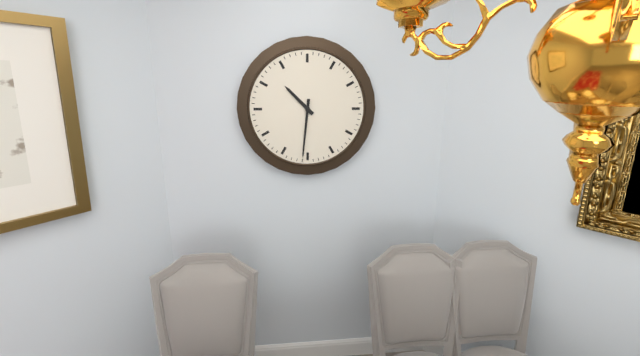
10:31
